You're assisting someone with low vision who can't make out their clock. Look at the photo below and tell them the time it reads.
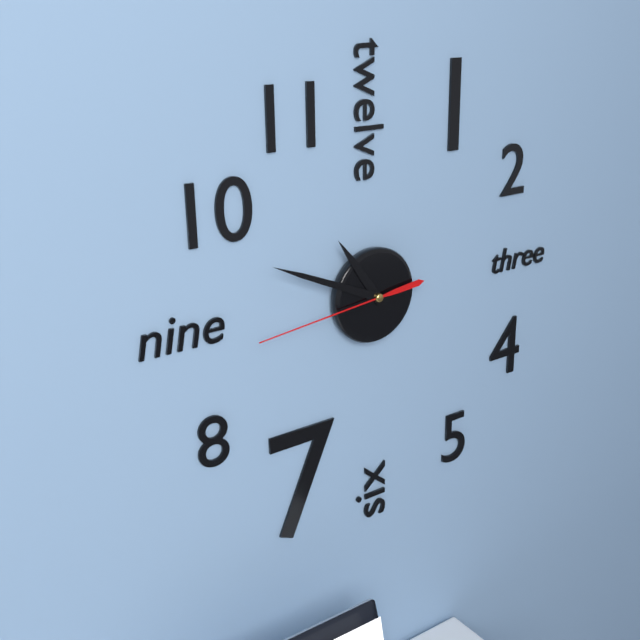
10:49:44
